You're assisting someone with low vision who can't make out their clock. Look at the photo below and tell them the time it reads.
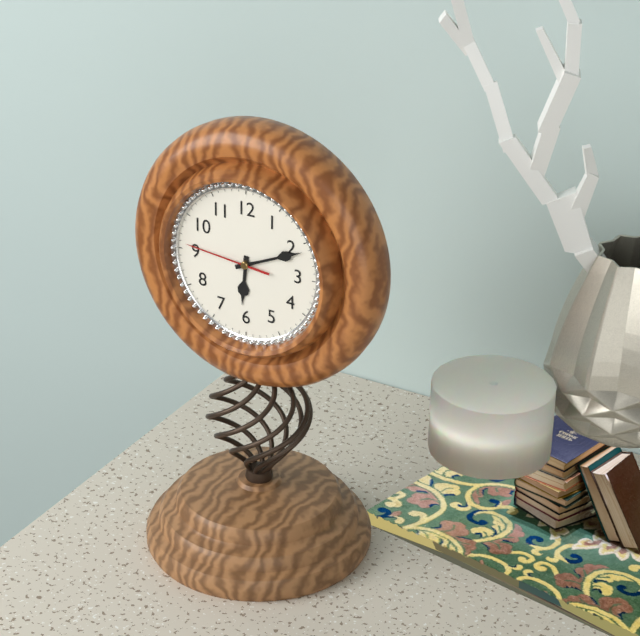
6:11:46
